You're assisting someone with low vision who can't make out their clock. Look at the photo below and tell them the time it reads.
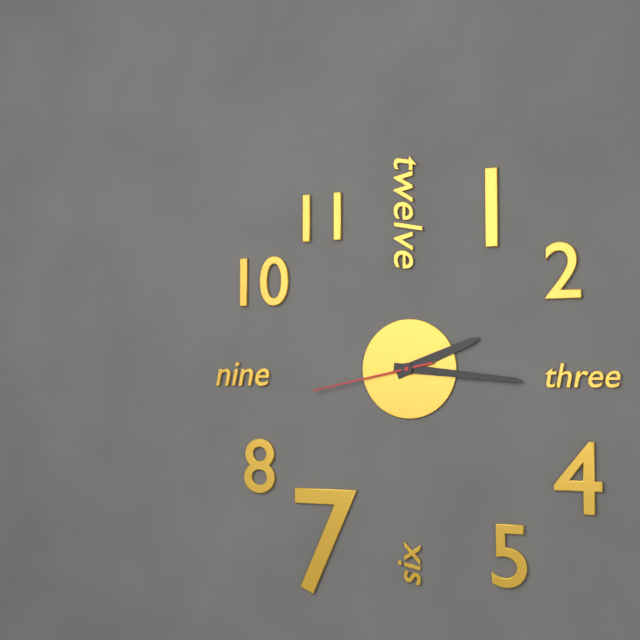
2:16:43
